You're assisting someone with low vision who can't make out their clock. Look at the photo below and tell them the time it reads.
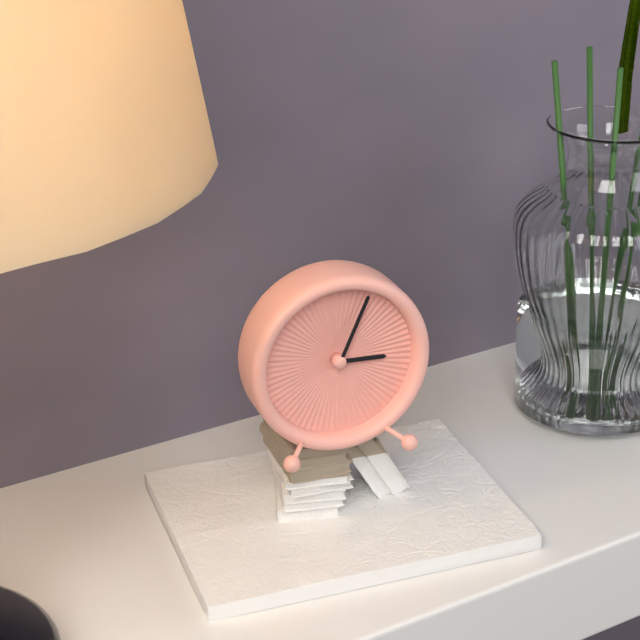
3:04
